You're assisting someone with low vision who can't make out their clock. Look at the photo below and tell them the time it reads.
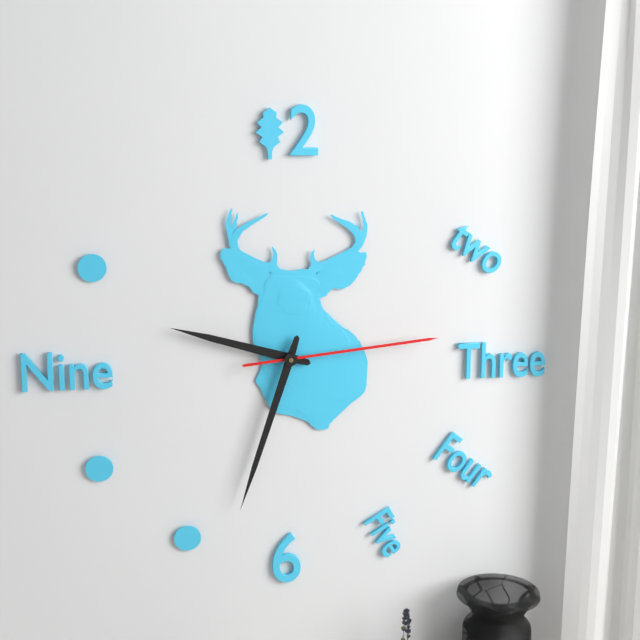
9:33:14
